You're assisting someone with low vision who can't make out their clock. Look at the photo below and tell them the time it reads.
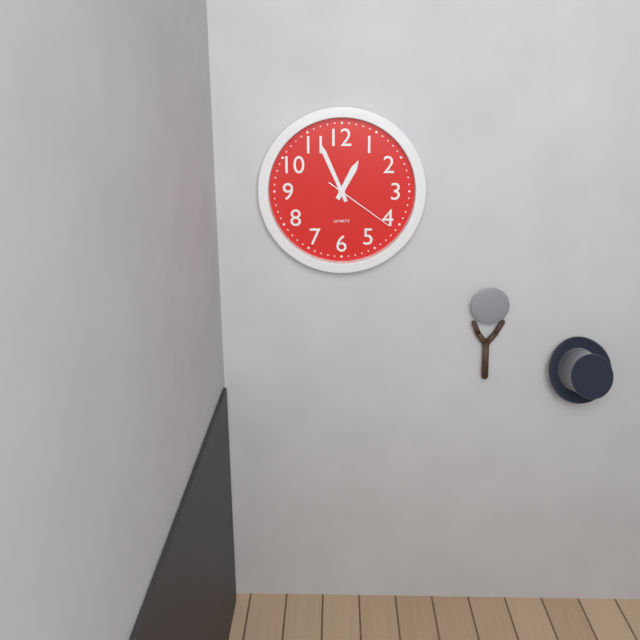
12:56:21
